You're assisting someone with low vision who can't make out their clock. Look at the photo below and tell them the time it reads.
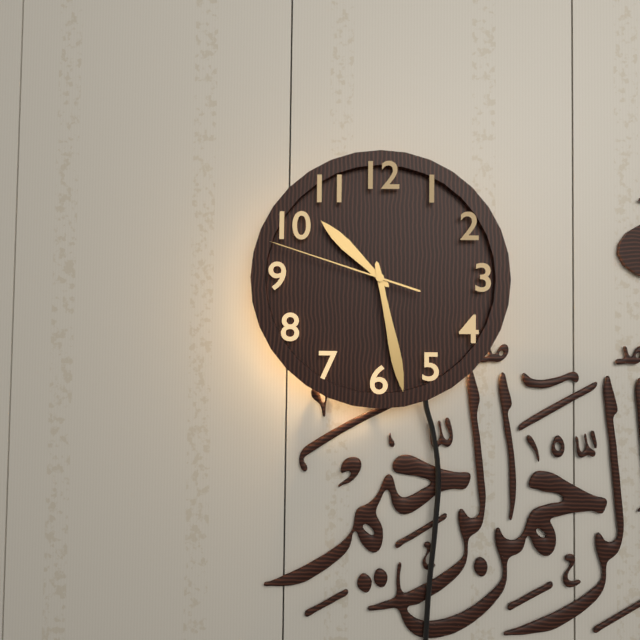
10:28:48
